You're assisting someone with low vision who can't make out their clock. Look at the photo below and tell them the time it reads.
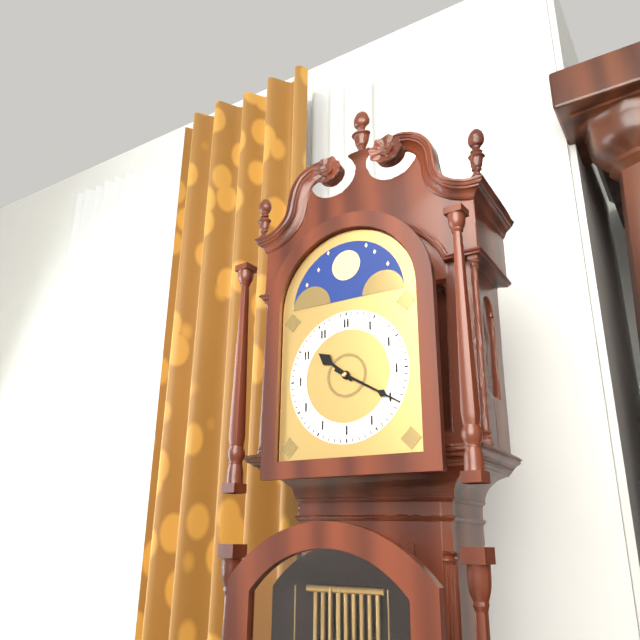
10:20
